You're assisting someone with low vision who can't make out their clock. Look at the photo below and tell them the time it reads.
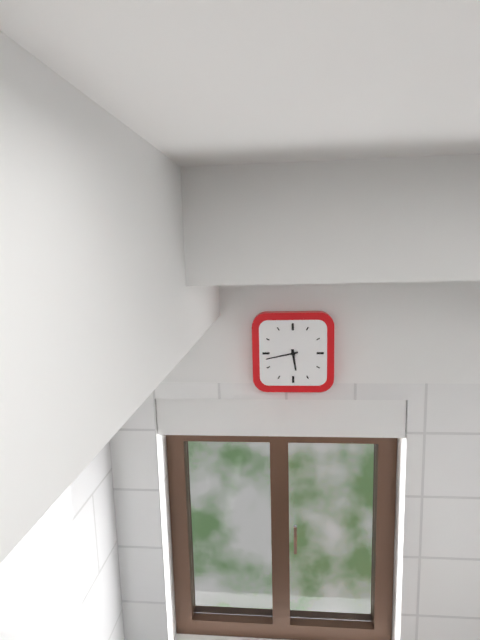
5:43
